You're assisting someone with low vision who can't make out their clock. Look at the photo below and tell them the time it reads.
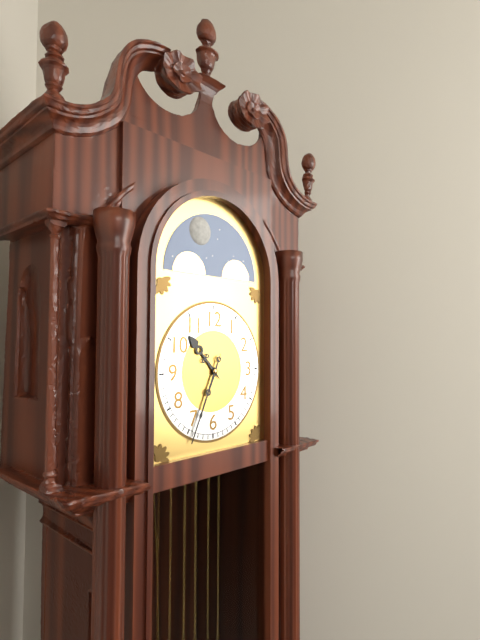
10:34
